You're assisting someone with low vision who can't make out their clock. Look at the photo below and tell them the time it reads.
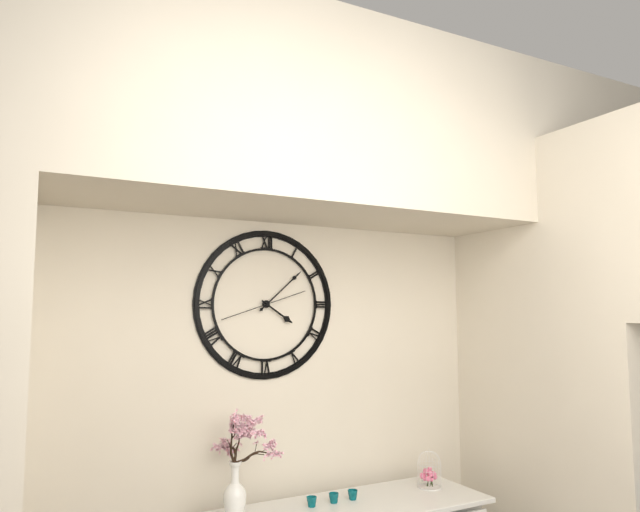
4:08:42
